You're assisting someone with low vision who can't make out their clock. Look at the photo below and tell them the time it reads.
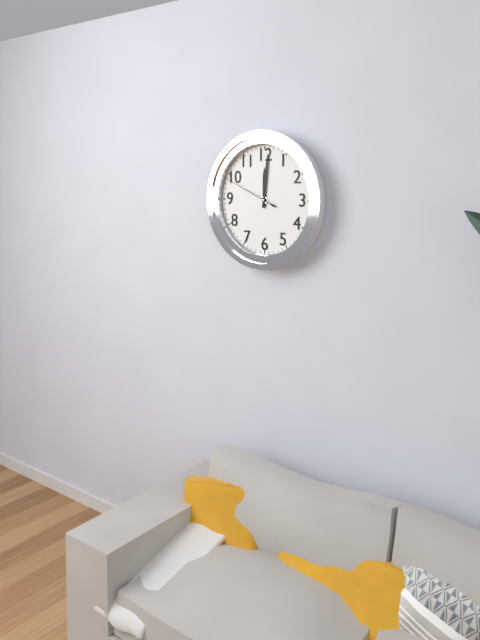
12:01:49
